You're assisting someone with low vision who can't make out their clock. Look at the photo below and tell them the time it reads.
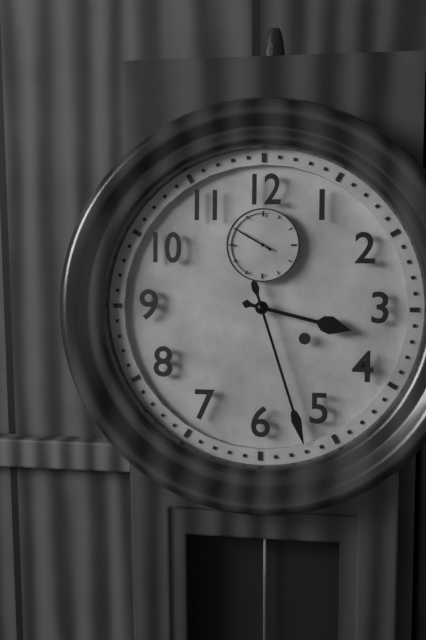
3:27
